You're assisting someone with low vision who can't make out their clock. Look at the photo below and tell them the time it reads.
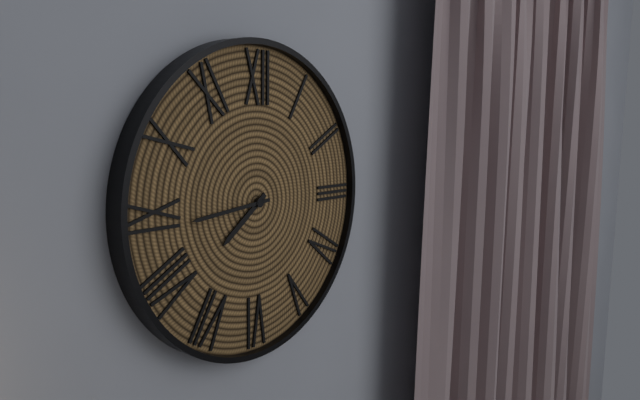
7:44
